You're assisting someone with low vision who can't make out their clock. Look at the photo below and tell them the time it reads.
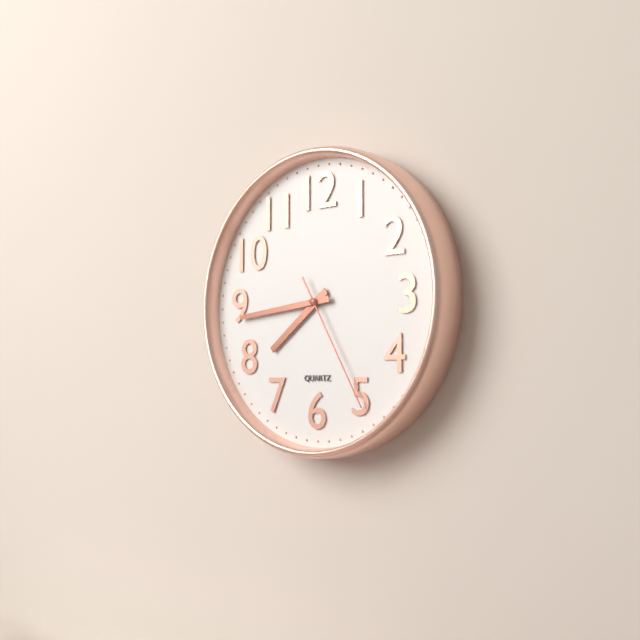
7:44:25
